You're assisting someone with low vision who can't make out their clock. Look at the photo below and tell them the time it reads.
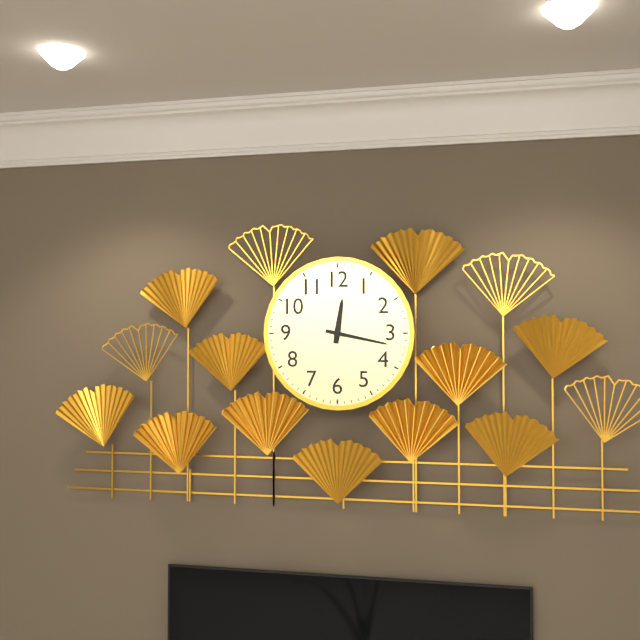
12:17
